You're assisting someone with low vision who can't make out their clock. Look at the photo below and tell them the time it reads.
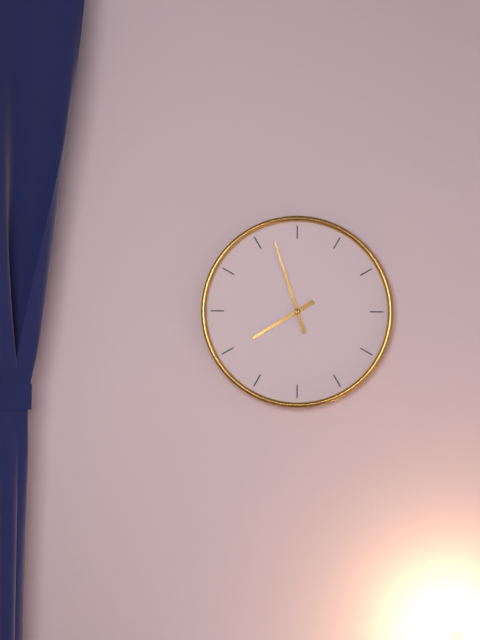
7:57
